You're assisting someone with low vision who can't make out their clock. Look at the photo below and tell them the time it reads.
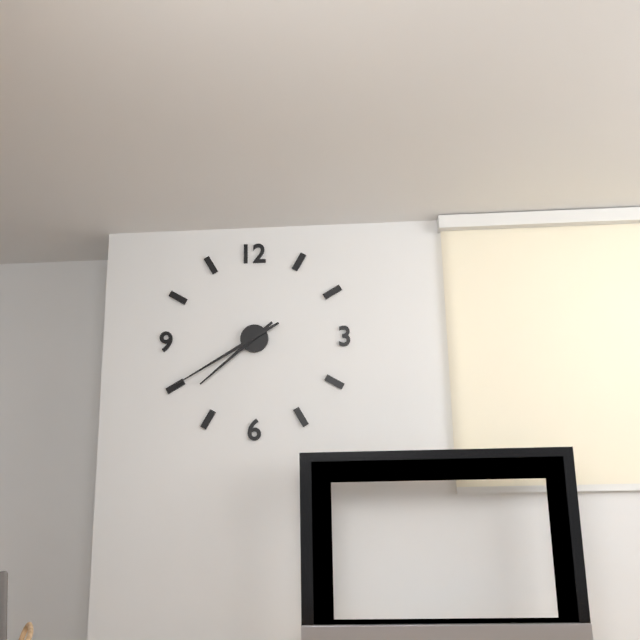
7:40
